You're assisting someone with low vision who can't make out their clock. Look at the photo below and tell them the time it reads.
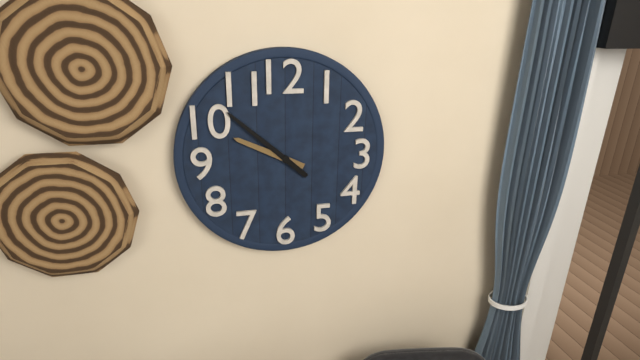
9:52
